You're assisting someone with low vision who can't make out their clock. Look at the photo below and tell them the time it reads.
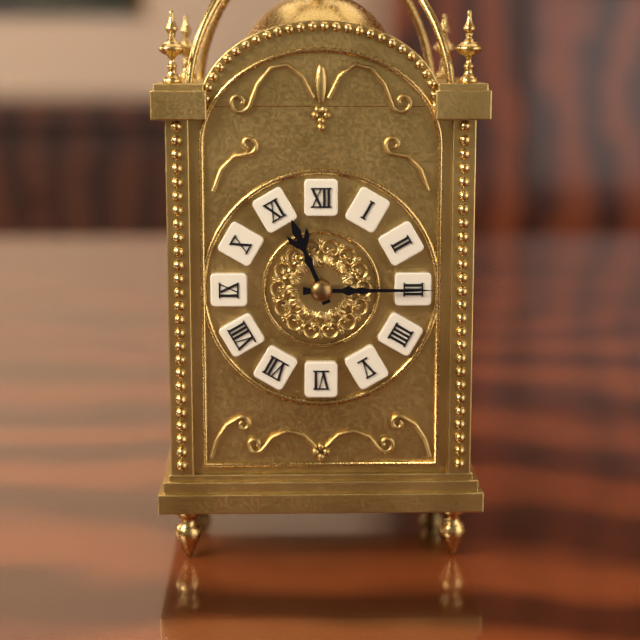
11:15
